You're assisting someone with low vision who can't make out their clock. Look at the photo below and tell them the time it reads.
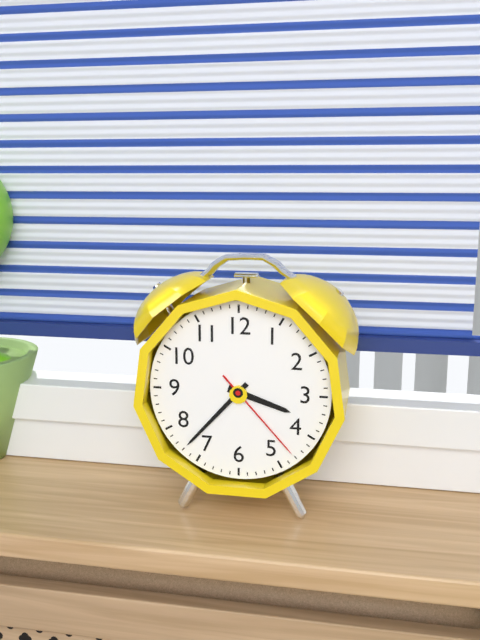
3:37:23
